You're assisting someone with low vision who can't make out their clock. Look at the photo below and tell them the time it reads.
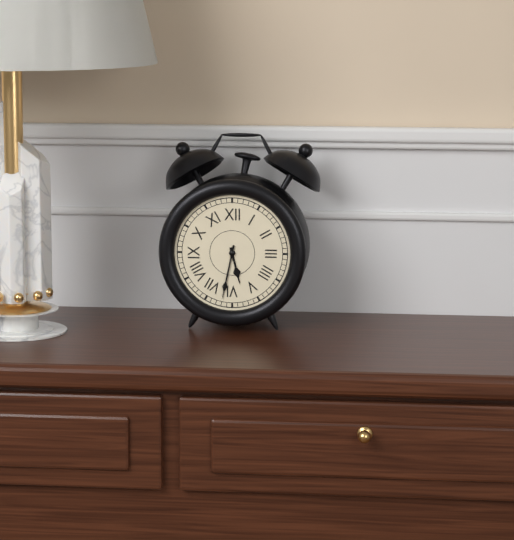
5:32
